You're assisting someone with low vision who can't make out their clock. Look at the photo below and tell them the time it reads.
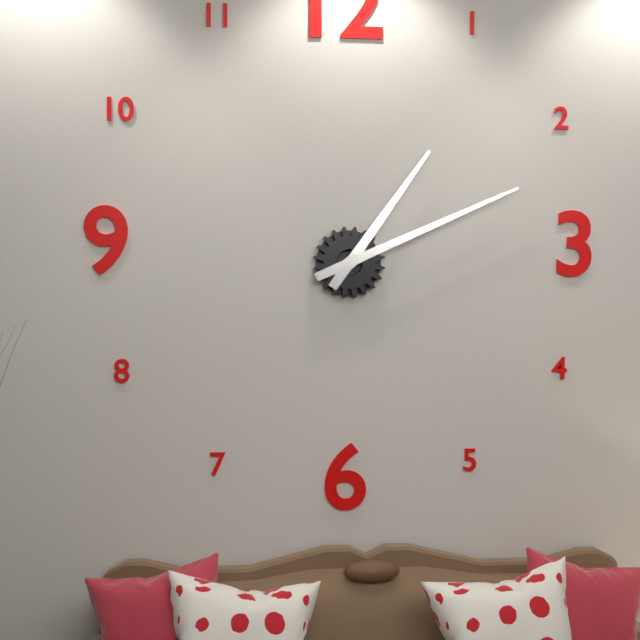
1:11
